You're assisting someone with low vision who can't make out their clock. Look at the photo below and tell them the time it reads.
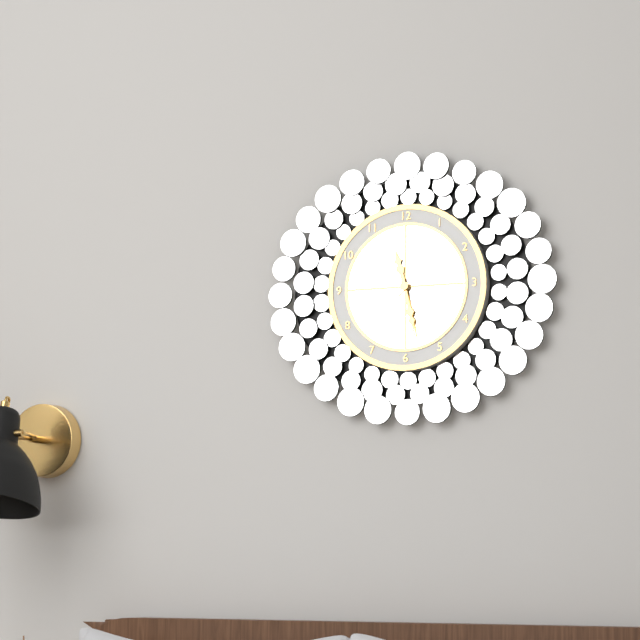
11:28:08
